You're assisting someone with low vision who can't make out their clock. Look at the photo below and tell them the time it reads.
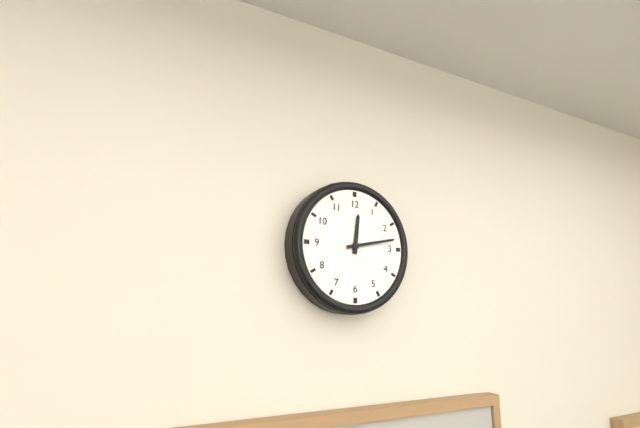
12:13
